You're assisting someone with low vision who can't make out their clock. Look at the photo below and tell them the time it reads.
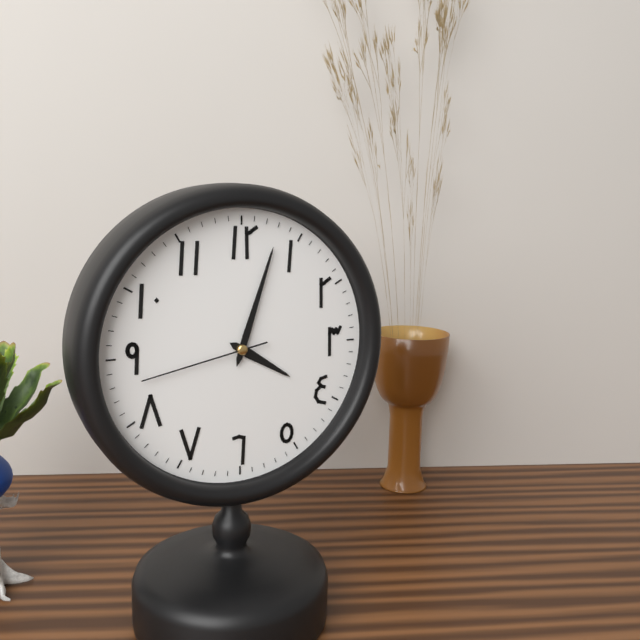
4:03:43
